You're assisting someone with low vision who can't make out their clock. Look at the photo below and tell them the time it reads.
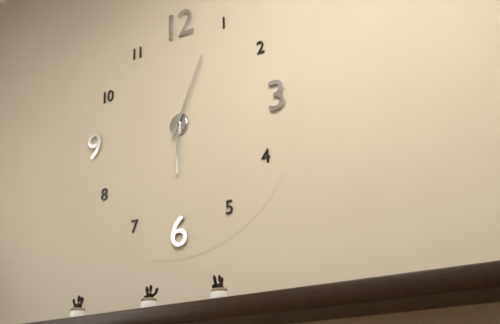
6:04
